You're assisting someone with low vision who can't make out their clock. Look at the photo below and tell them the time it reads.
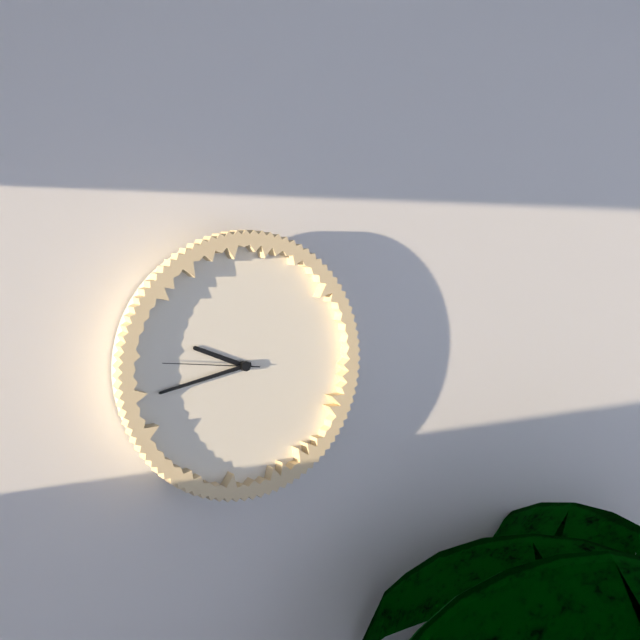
9:43:46
